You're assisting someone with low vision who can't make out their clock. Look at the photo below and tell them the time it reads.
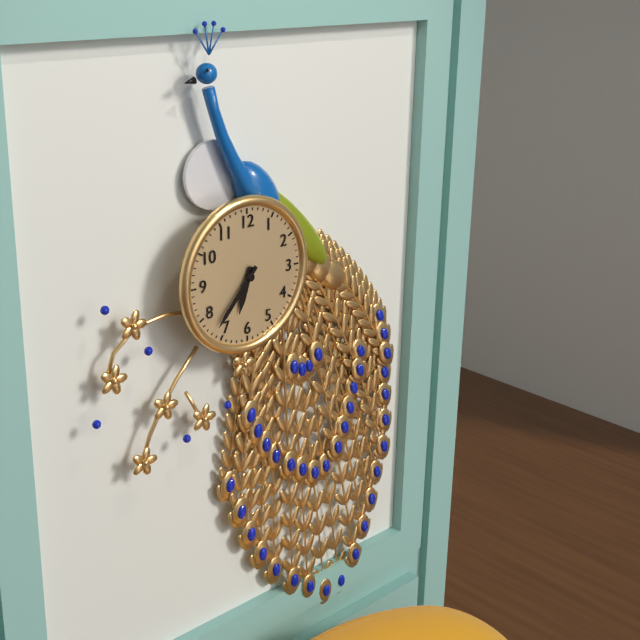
6:37
